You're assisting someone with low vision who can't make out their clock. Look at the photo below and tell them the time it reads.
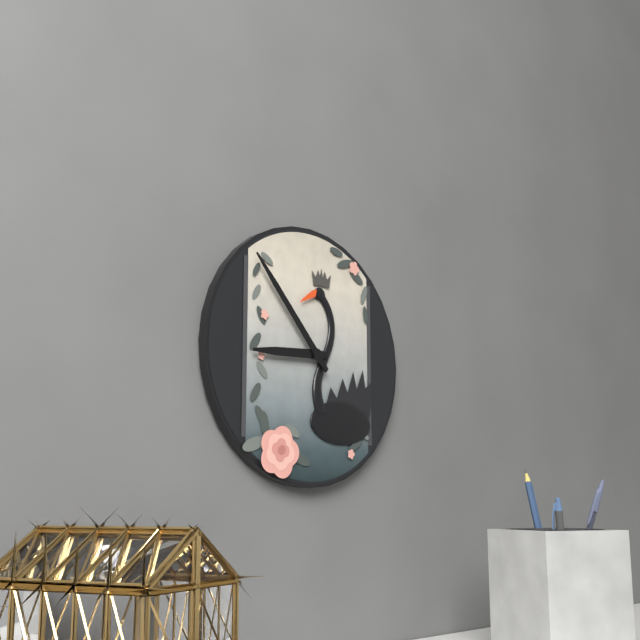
8:53
